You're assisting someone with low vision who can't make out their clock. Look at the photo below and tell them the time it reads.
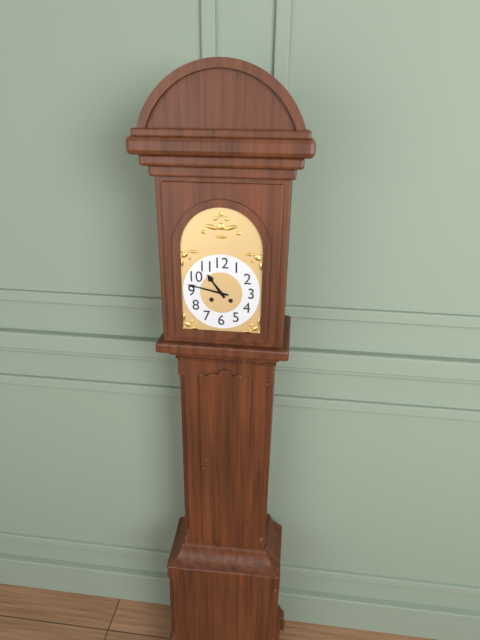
10:47
